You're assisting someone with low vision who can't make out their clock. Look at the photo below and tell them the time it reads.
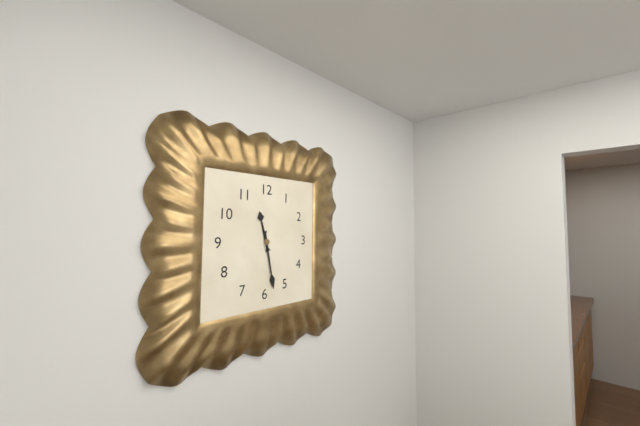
11:28
